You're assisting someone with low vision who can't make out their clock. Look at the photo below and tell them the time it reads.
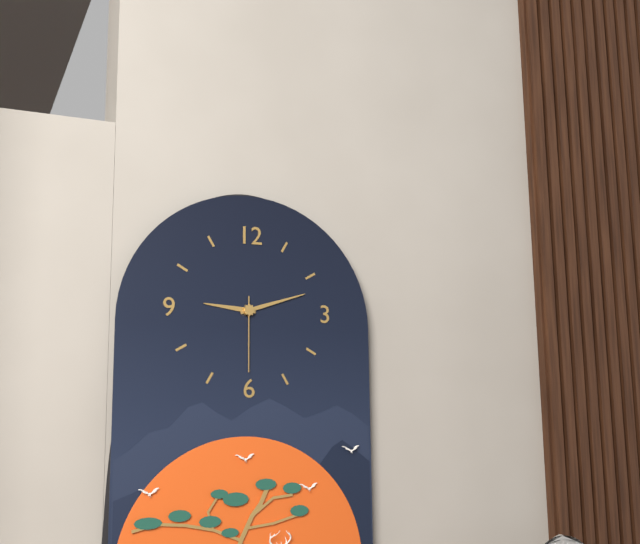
9:12:30
